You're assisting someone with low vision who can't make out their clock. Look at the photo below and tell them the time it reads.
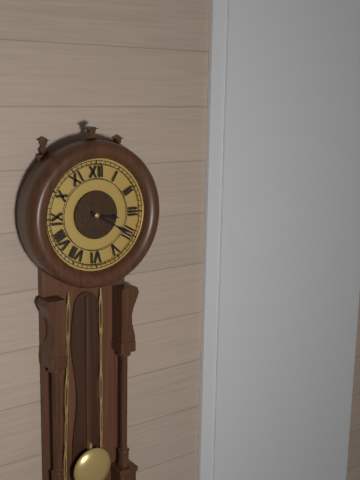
3:20
